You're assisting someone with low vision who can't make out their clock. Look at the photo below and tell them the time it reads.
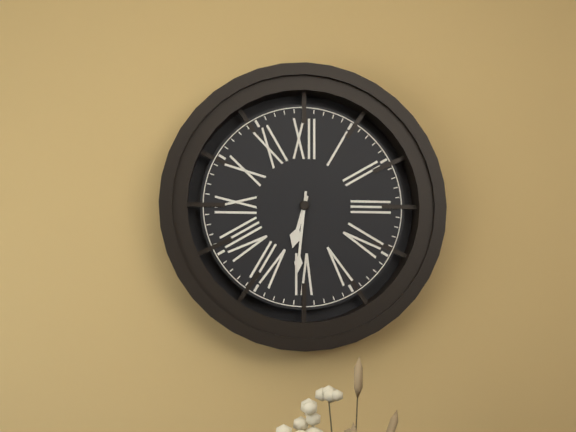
6:31
